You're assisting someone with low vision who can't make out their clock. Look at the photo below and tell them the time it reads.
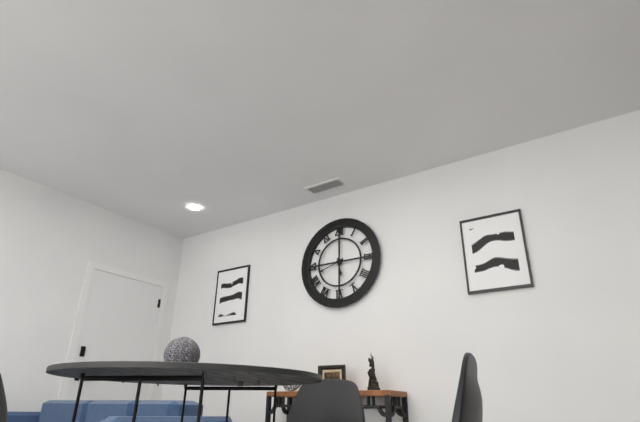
5:42
